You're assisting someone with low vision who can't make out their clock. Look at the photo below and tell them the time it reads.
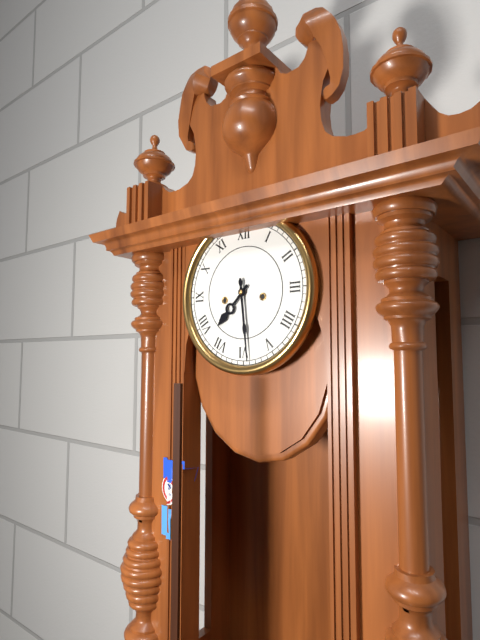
7:29
